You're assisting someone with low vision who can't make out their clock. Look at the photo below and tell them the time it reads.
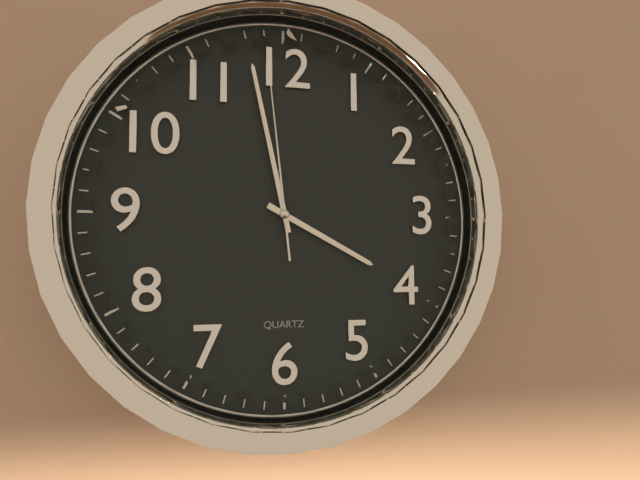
3:58:59
